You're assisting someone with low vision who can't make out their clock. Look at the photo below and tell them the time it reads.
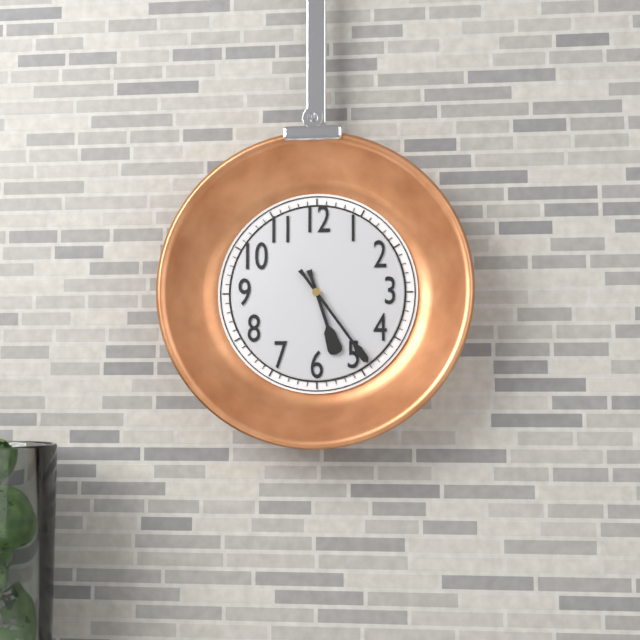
5:24
